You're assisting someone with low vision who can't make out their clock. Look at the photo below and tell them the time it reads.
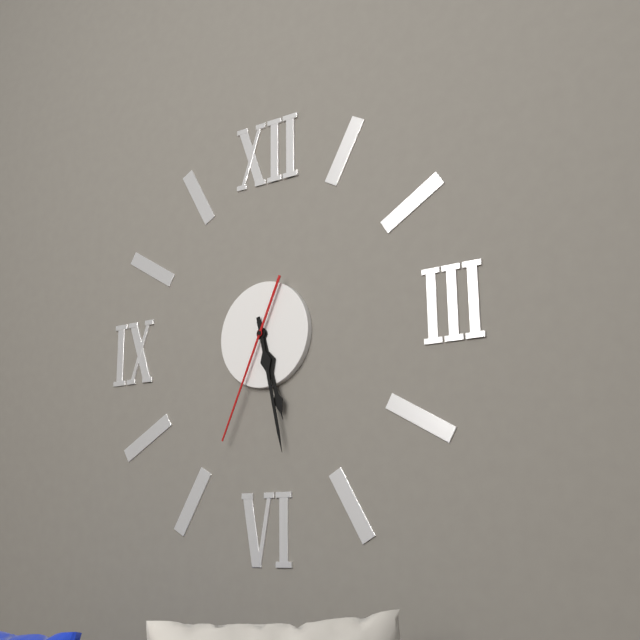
5:28:34
